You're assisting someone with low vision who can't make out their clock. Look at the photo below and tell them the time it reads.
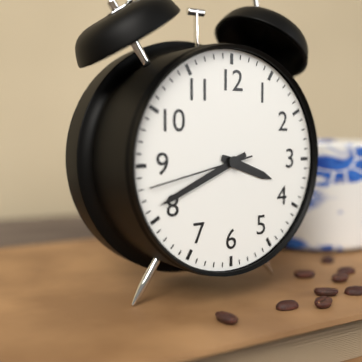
3:41:43
